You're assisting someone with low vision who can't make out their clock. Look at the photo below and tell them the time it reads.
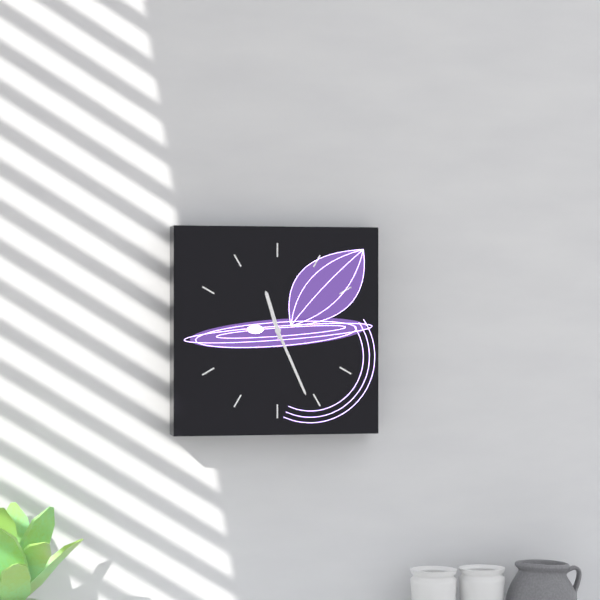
11:26
